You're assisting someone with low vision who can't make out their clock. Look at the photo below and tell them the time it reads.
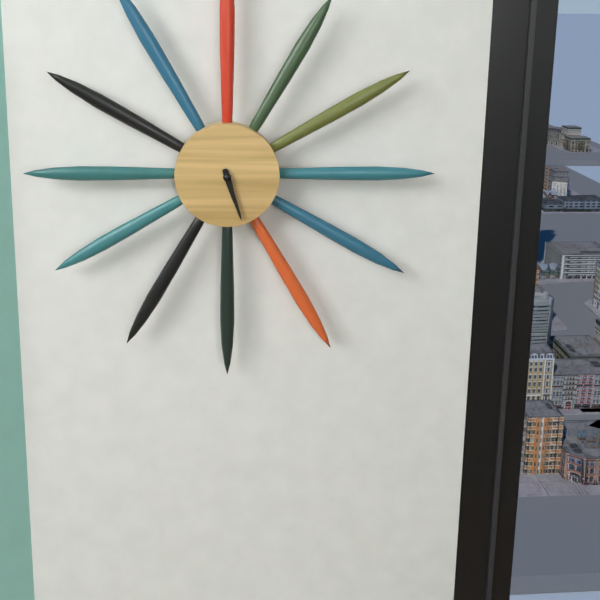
5:27
